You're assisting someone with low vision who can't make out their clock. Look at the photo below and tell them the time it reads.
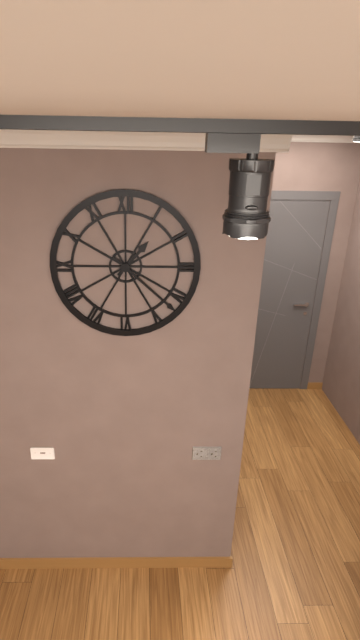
1:22
